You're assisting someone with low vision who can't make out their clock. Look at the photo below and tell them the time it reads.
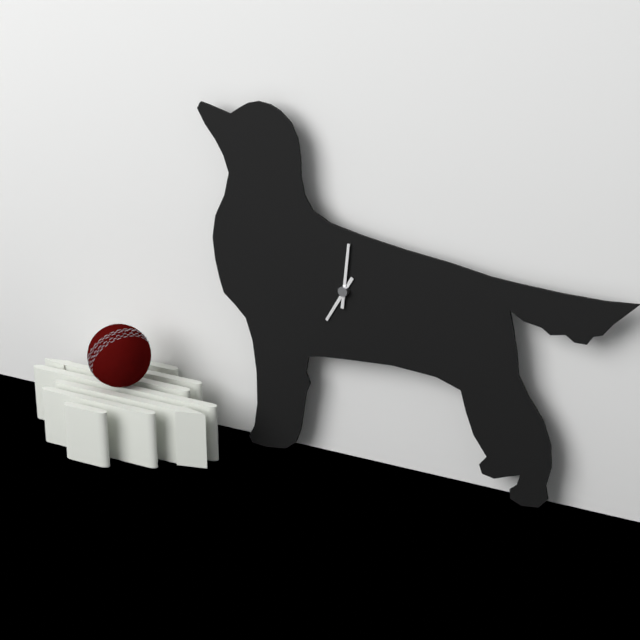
7:01
